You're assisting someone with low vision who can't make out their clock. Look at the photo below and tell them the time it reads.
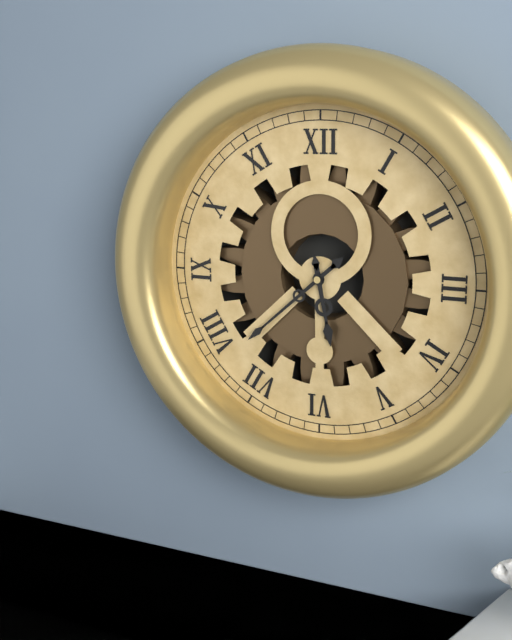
5:38
